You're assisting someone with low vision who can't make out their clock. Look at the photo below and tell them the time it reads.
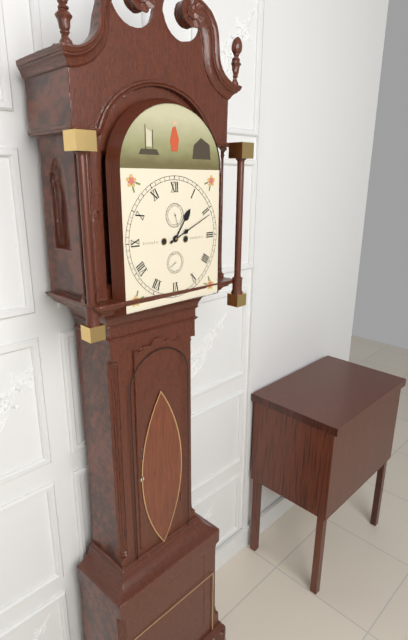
1:11
